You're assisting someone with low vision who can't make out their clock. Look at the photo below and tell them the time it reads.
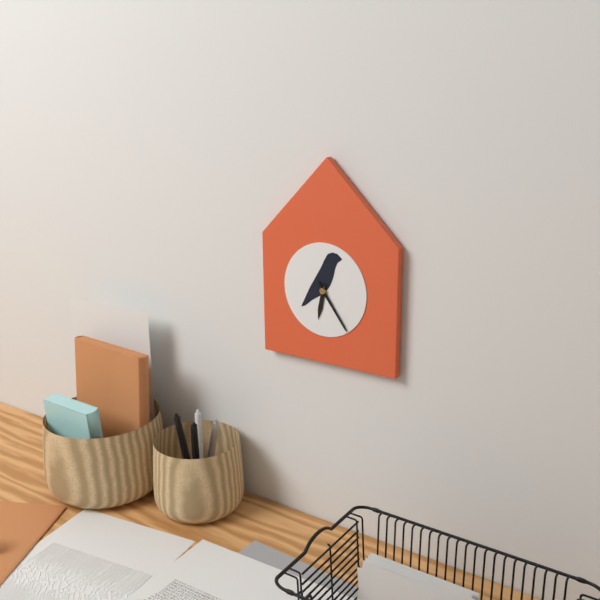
6:24
